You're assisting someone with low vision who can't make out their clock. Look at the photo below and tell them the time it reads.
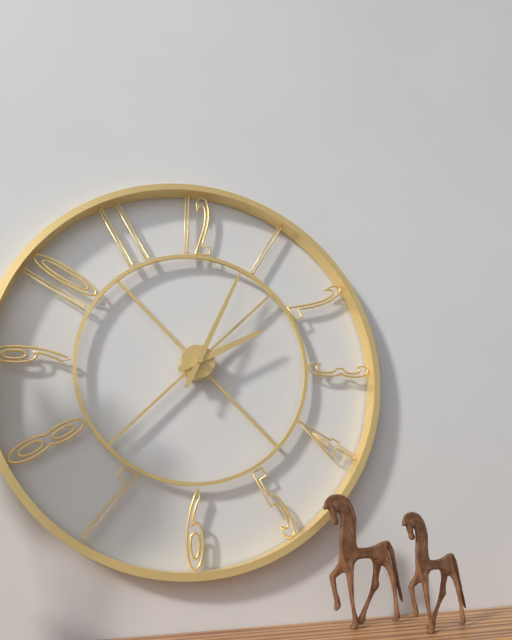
2:04
